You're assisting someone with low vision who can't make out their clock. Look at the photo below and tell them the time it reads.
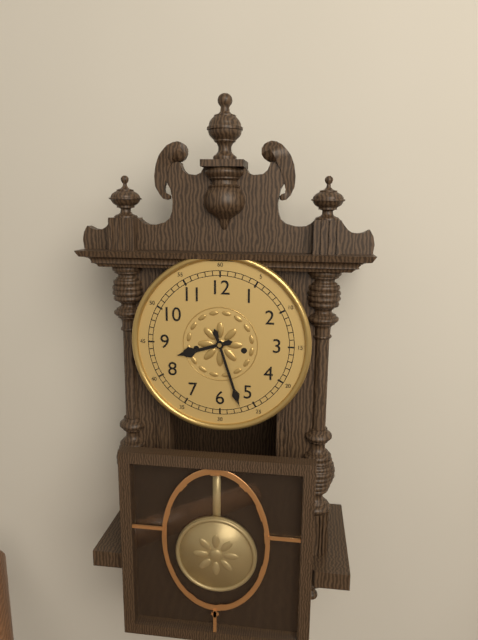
8:27
